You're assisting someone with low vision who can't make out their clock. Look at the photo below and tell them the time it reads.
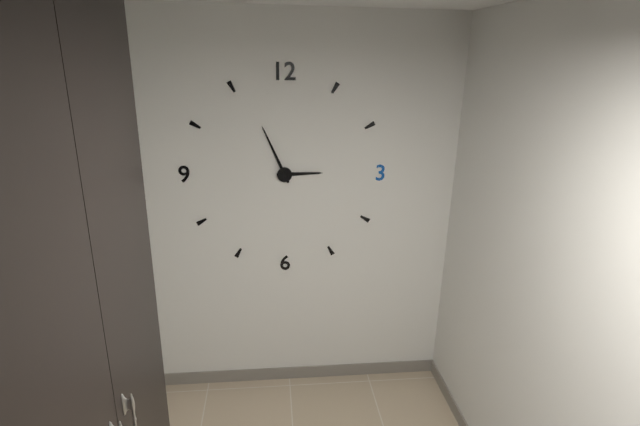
2:56
